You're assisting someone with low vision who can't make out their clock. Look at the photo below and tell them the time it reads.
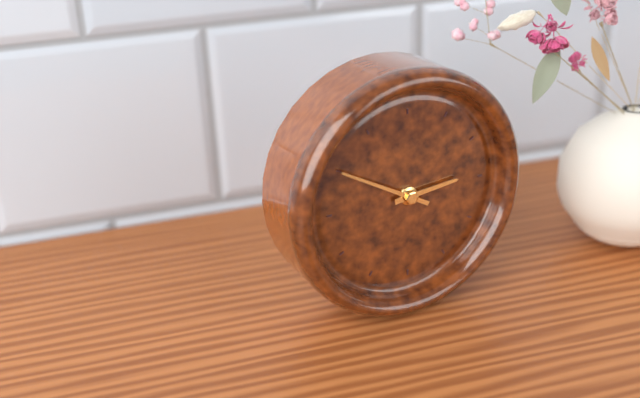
2:50
